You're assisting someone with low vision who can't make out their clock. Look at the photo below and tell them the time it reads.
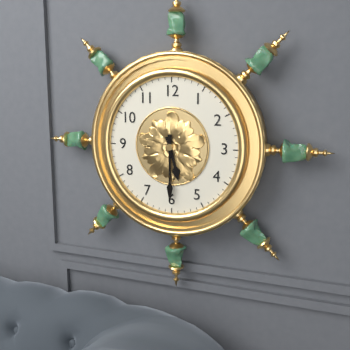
5:30
